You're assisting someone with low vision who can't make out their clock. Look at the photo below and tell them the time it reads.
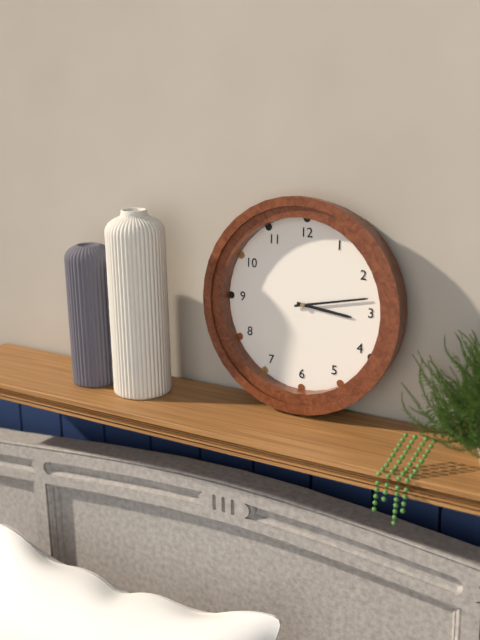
3:13
